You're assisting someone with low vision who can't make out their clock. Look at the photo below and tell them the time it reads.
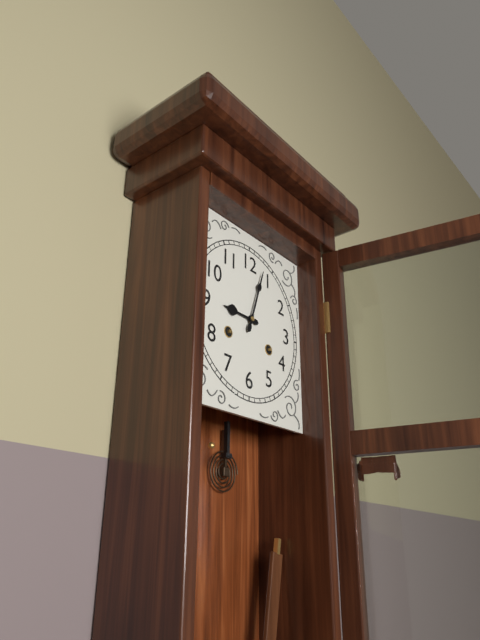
9:03
